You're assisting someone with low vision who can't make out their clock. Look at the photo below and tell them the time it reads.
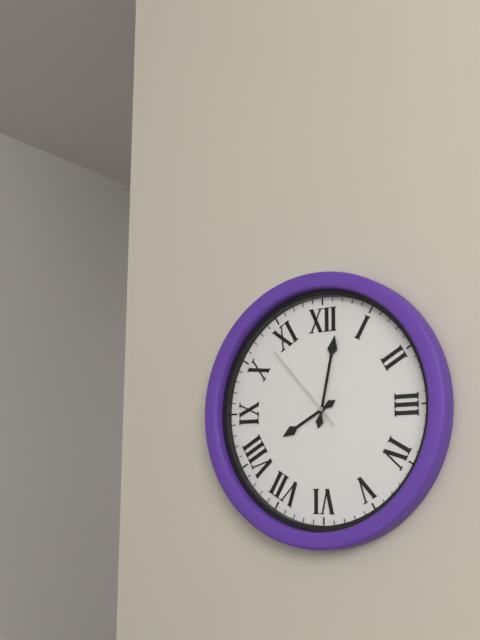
8:02:53
